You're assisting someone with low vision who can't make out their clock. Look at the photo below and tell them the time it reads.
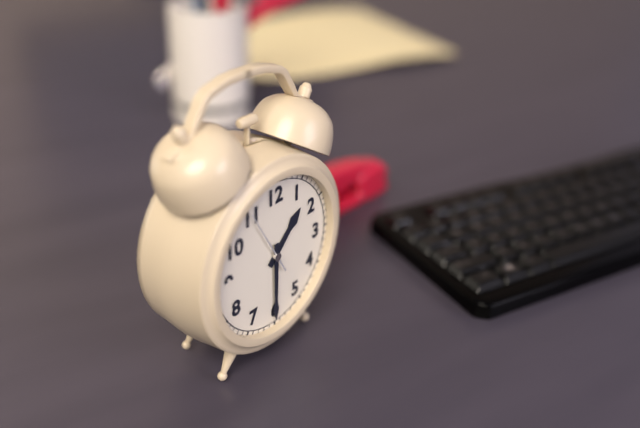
1:30:55
